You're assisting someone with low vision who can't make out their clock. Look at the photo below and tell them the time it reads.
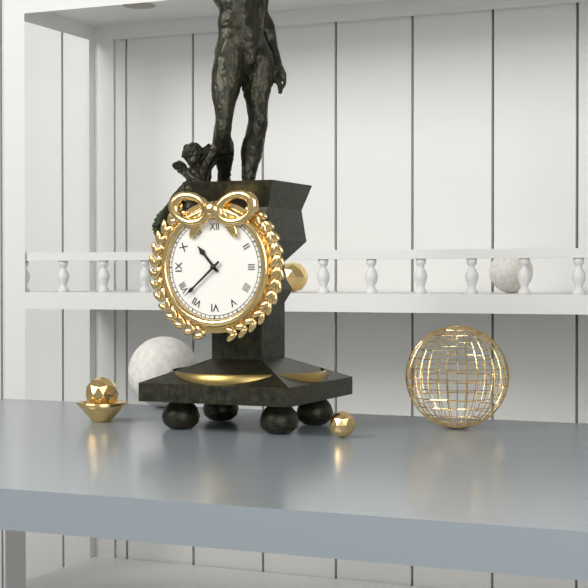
10:38
